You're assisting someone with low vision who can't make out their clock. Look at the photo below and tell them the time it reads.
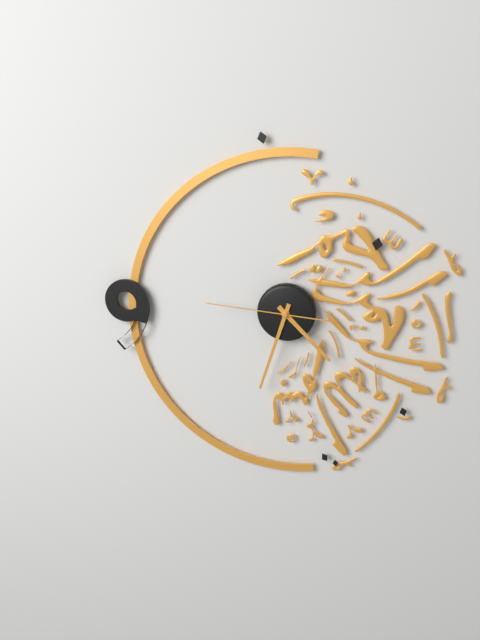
4:33:46
